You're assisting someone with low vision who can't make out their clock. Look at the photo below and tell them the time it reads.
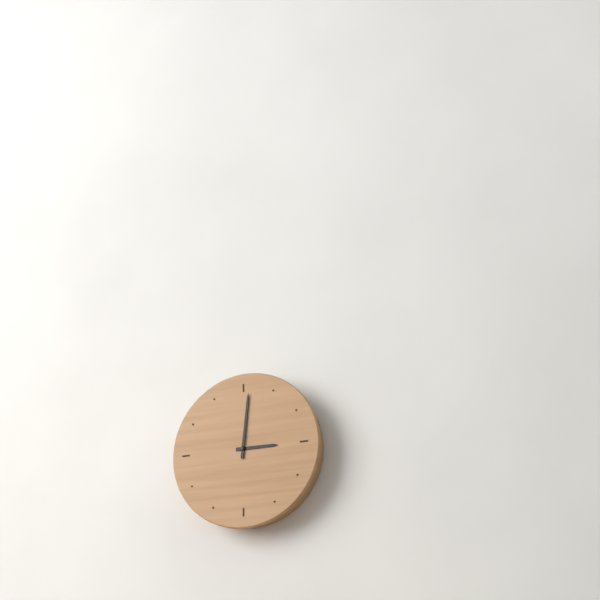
3:01
